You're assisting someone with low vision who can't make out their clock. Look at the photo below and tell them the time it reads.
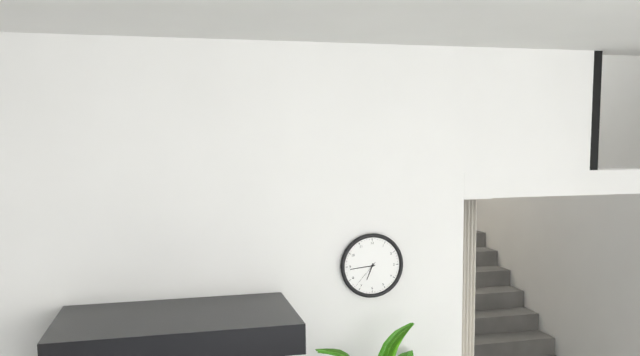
6:44
